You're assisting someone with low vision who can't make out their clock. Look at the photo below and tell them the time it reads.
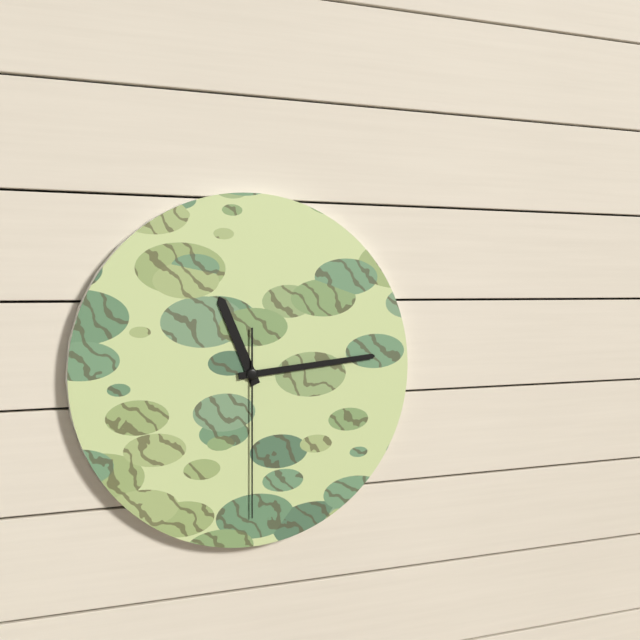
11:14:30
